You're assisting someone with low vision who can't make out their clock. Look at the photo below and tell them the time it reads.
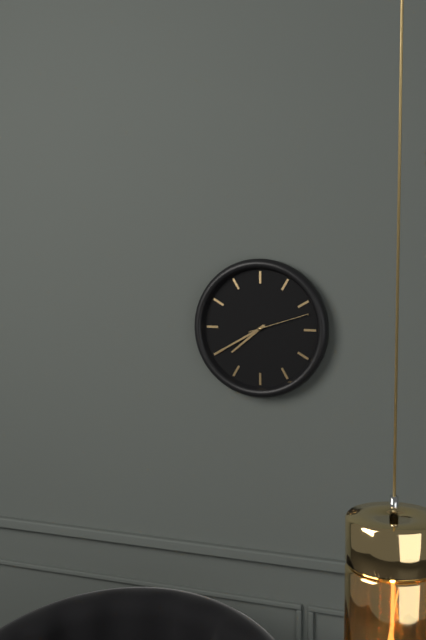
7:40:12
